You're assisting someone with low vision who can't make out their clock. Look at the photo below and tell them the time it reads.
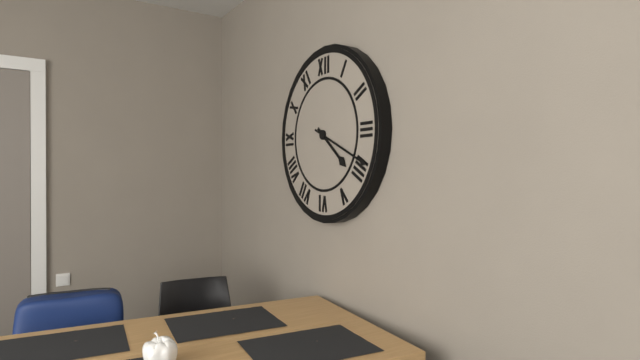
4:19
